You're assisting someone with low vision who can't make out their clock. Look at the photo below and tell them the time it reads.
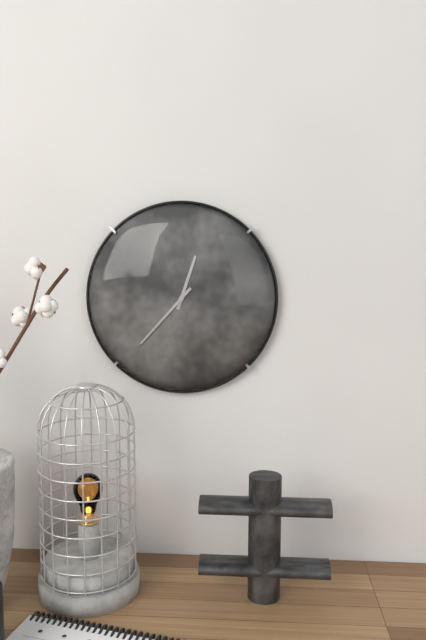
12:37
